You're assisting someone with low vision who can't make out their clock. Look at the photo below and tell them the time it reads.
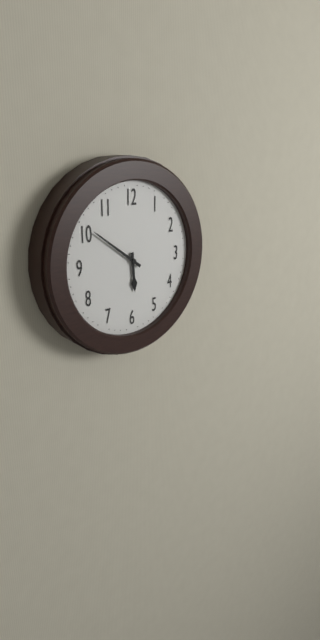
5:51
